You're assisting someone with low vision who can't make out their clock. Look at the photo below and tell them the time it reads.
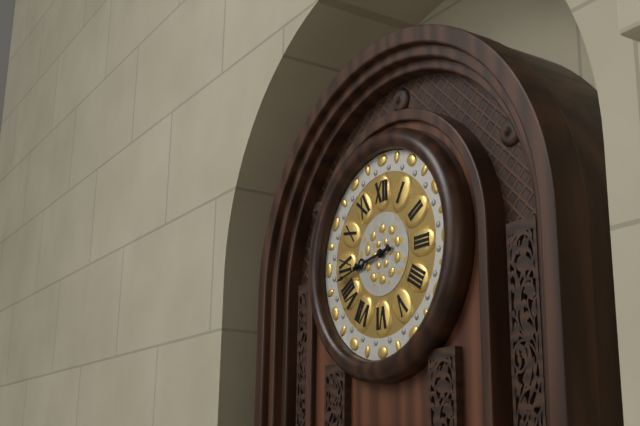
8:43
